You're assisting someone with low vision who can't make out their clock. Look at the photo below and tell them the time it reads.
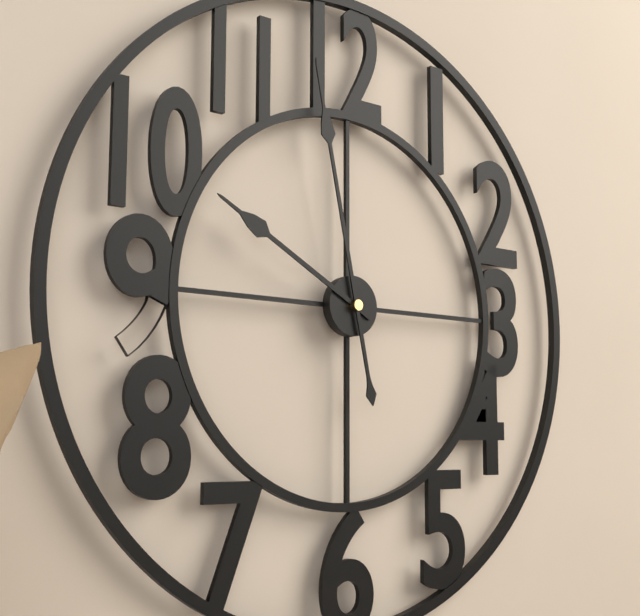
9:58
